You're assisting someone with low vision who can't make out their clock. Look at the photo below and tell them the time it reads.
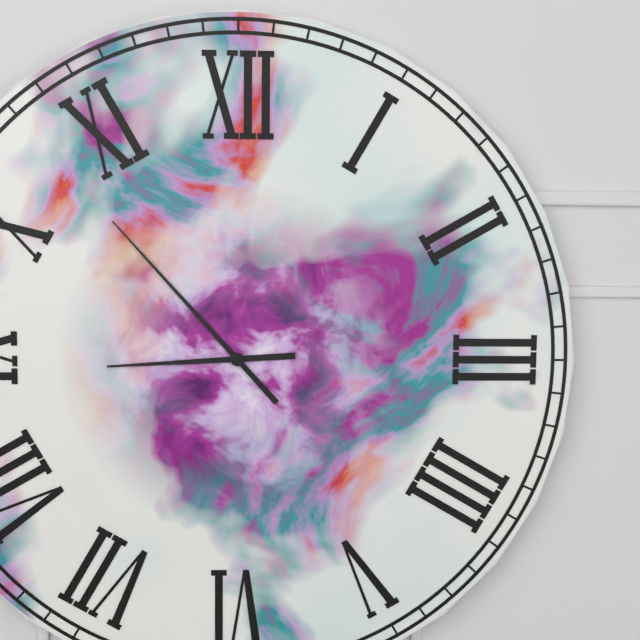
8:53
